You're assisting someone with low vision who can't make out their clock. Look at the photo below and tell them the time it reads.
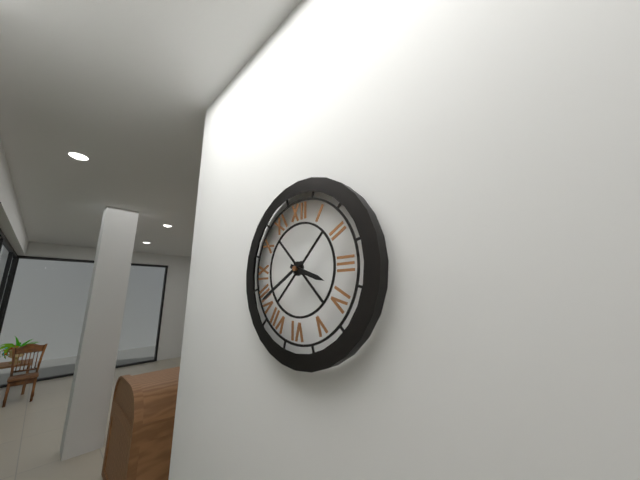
3:40
